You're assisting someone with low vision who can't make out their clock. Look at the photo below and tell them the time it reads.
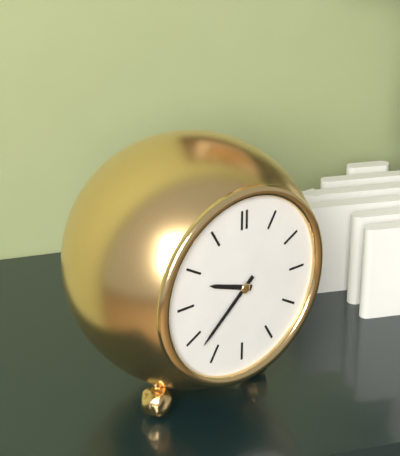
9:38
